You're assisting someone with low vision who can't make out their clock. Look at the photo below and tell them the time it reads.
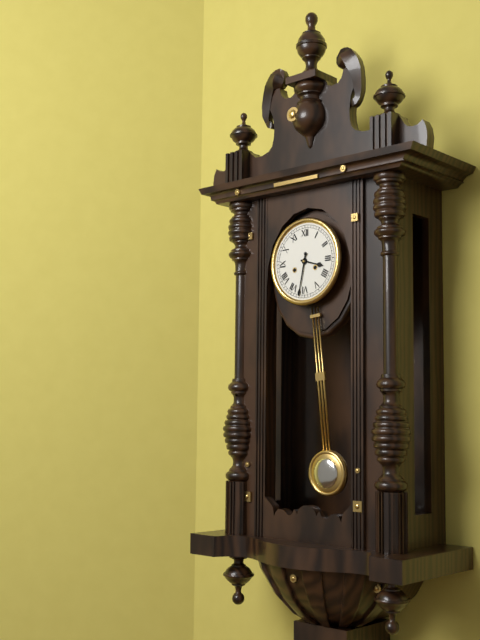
3:32
